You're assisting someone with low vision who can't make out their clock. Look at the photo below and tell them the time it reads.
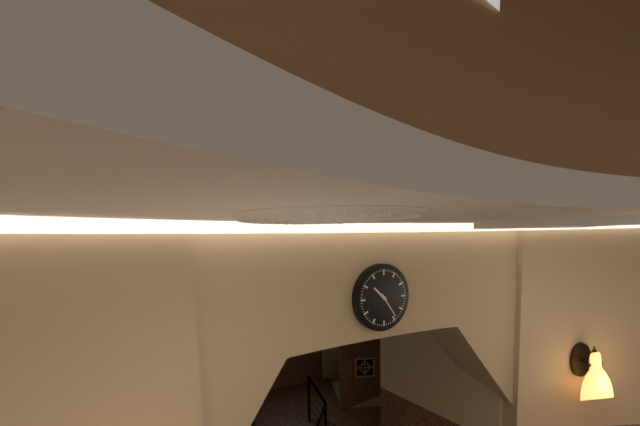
10:24
